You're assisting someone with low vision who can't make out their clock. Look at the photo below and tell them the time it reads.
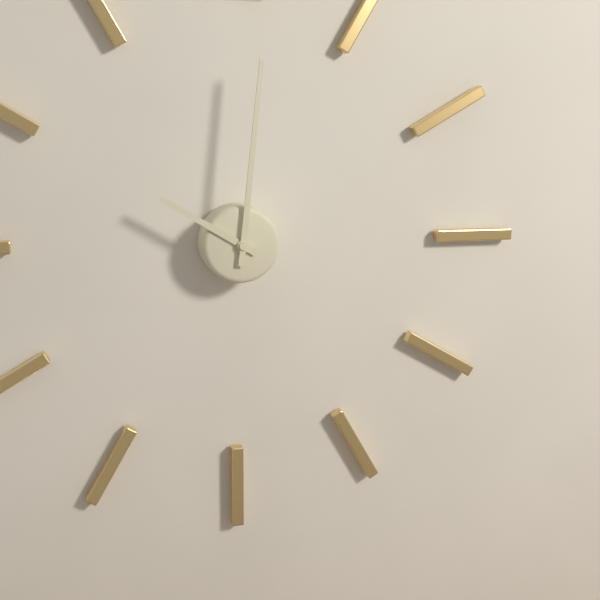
10:01
